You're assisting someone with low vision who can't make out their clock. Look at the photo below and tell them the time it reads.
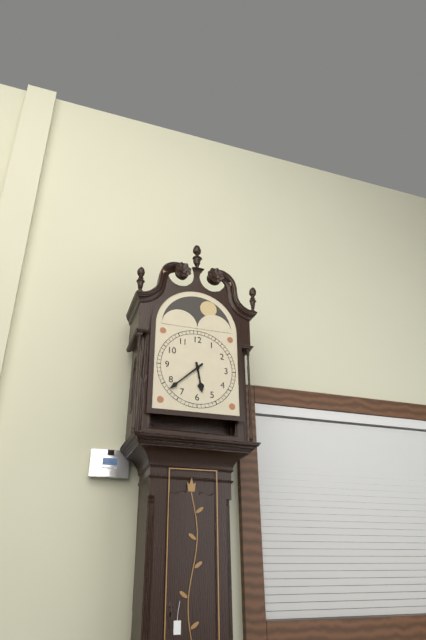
5:38
